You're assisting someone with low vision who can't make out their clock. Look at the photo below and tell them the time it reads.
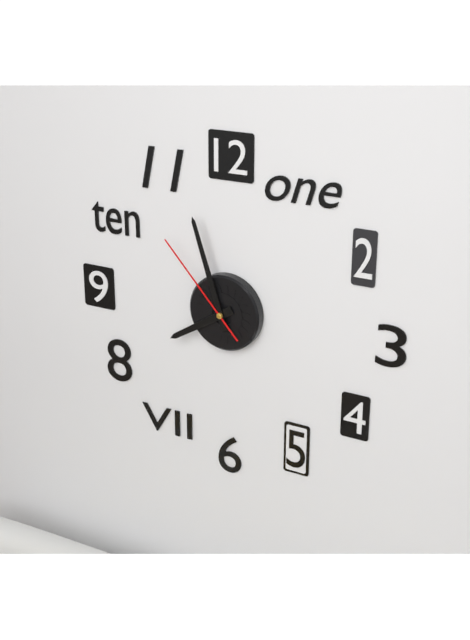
7:57:53
